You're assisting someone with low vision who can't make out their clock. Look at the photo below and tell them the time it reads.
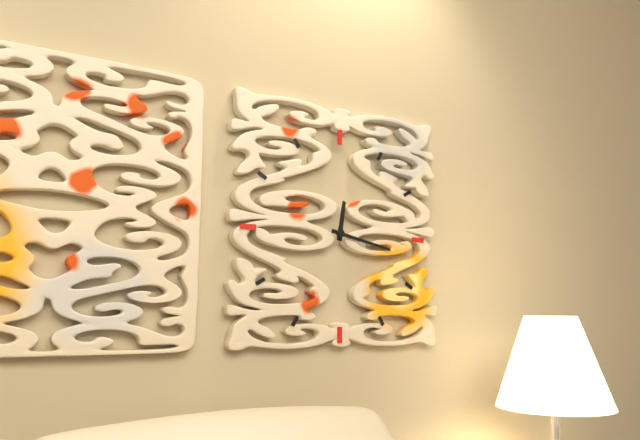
12:17
